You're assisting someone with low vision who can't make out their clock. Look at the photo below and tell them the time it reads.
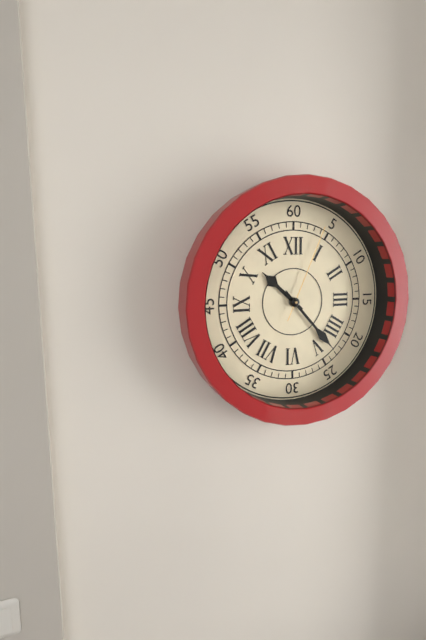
10:23:04
